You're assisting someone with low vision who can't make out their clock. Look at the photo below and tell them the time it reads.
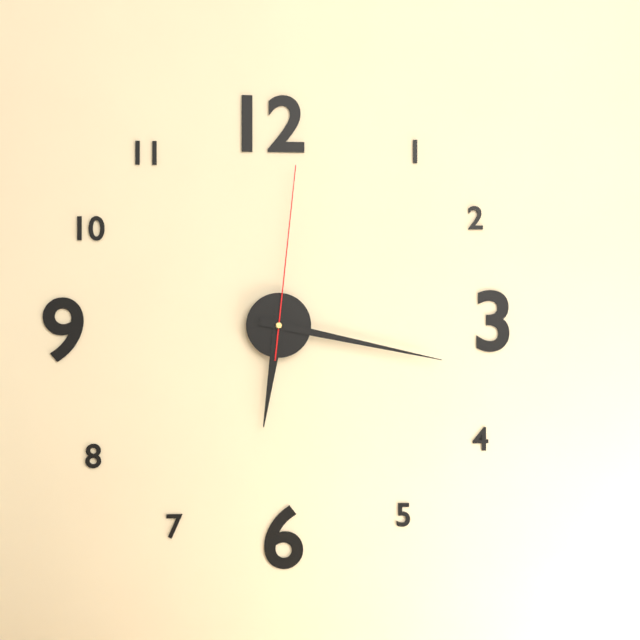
6:17:01
